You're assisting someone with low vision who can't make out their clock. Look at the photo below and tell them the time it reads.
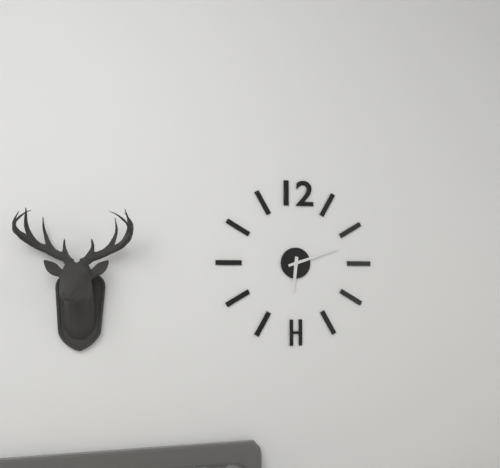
6:12
